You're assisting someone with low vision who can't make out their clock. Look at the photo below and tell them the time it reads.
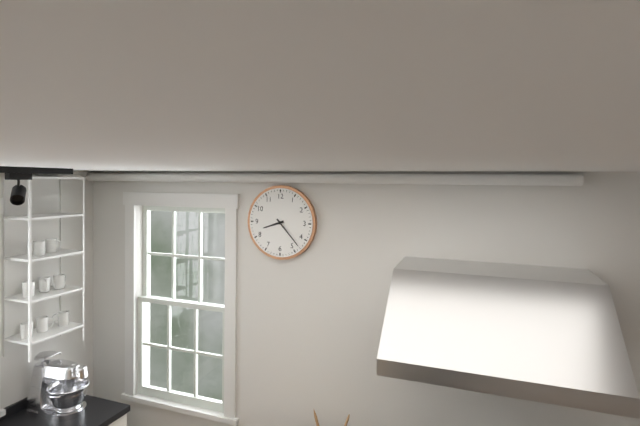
8:23
